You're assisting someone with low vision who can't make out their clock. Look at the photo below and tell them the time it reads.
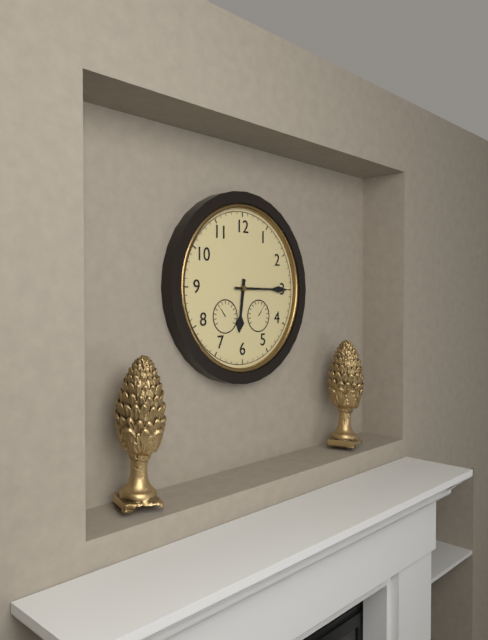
6:15
